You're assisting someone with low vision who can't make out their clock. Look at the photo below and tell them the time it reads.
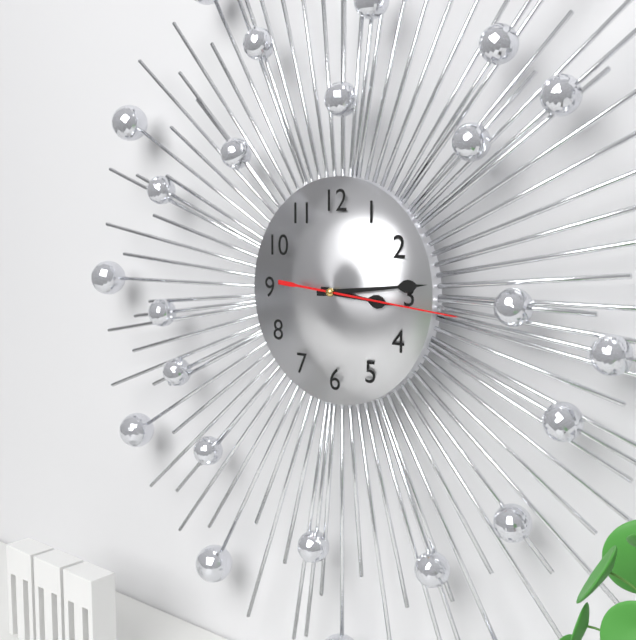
3:14:16
